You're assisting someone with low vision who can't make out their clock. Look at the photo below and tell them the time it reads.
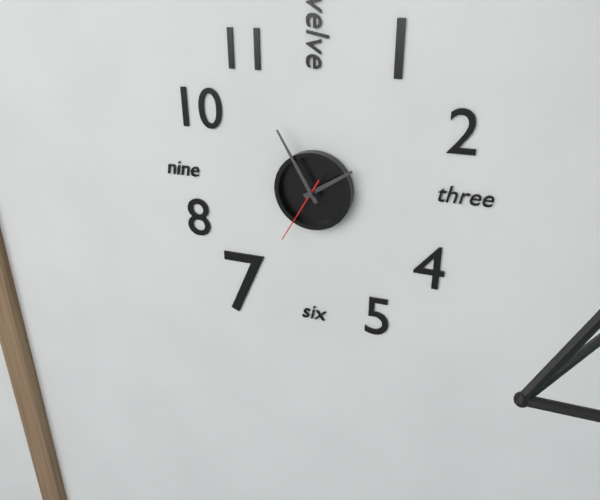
1:55:35
